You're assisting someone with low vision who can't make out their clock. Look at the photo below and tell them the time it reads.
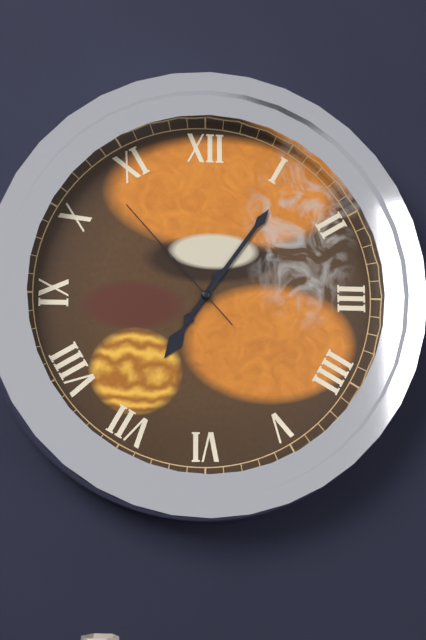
7:06:53
